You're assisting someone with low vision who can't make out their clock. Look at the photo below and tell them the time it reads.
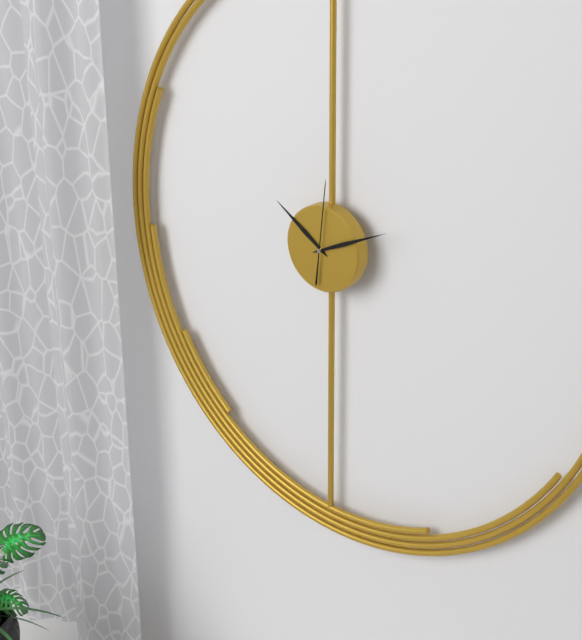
10:11:01
